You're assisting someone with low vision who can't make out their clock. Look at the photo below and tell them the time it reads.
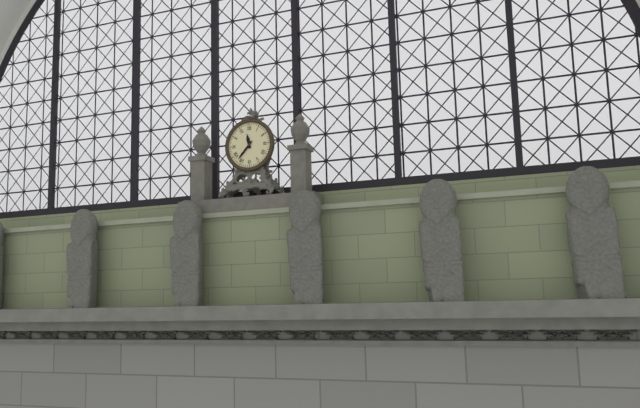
11:37
